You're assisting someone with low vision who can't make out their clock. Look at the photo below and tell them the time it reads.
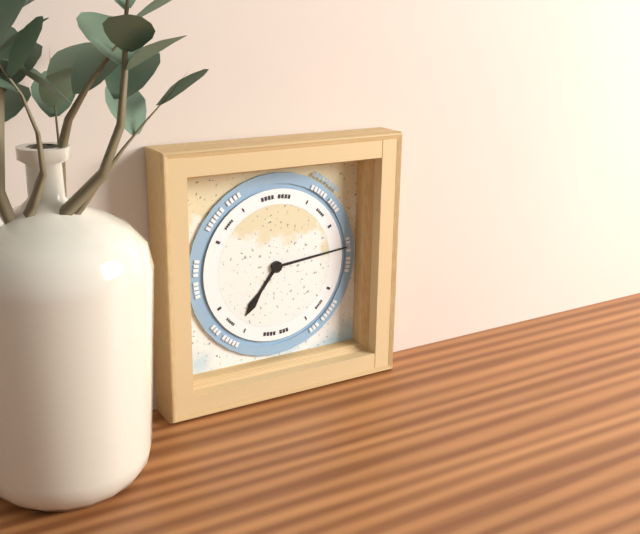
7:14
